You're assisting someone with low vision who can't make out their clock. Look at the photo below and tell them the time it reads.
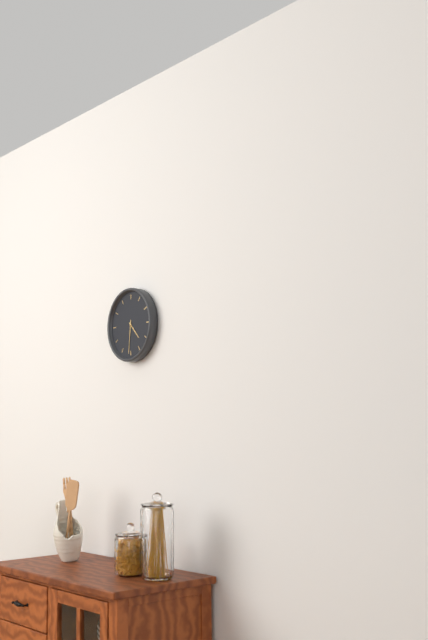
4:31
